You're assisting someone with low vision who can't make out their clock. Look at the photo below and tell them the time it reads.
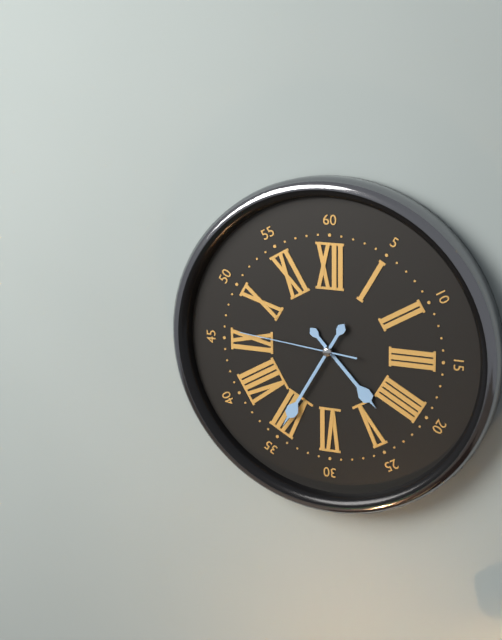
4:35:46
